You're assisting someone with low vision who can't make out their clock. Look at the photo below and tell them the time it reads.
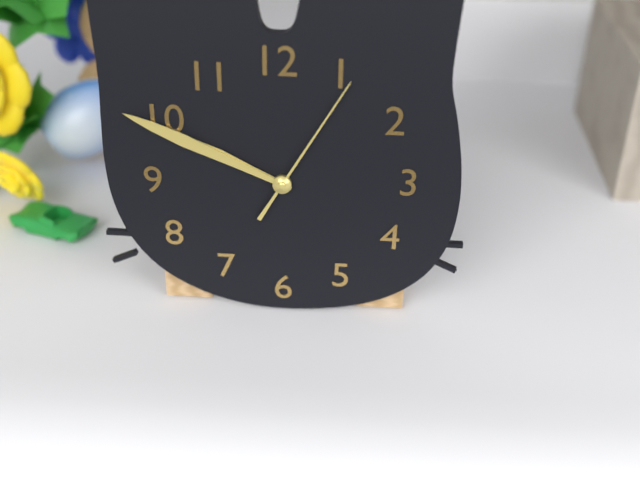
9:49:05
